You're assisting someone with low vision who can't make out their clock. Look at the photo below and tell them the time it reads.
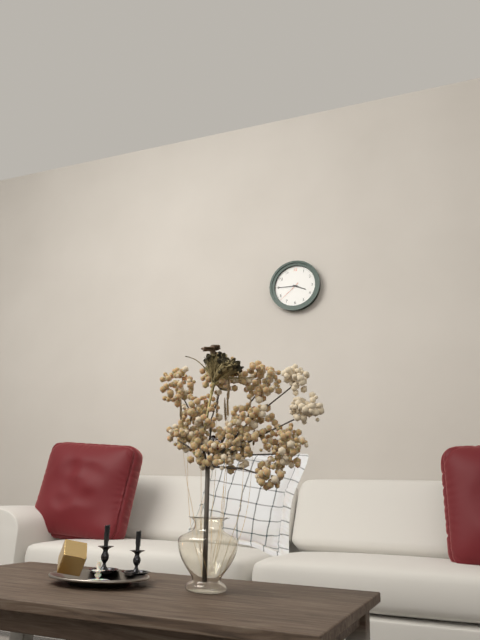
3:45
